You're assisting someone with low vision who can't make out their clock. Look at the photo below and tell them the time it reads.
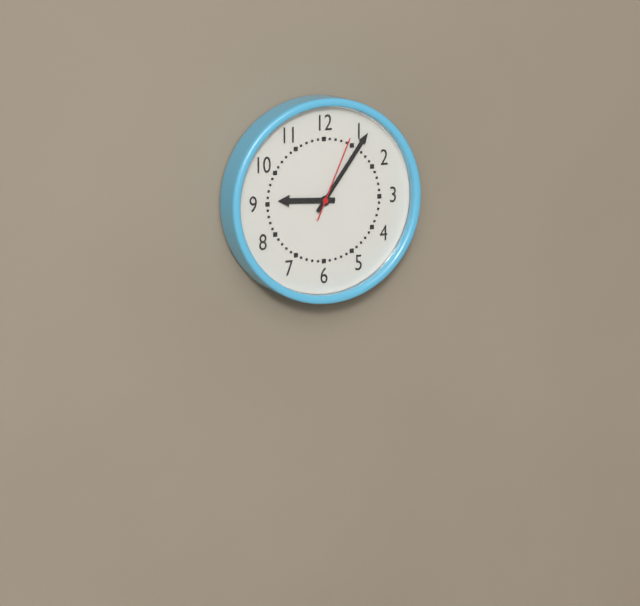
9:06:04
